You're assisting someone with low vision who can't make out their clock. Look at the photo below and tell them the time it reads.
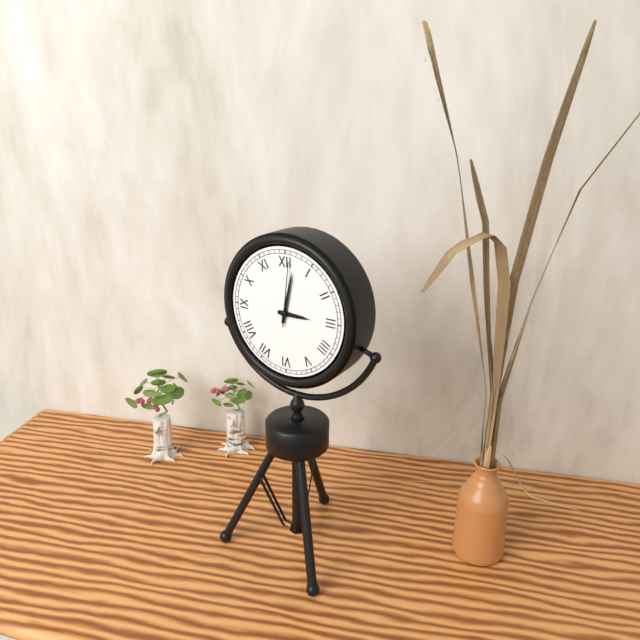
3:02:01
